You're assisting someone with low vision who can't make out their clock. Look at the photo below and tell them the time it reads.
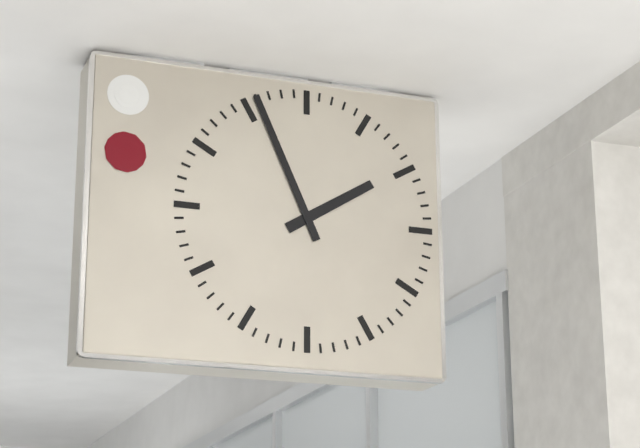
1:56
